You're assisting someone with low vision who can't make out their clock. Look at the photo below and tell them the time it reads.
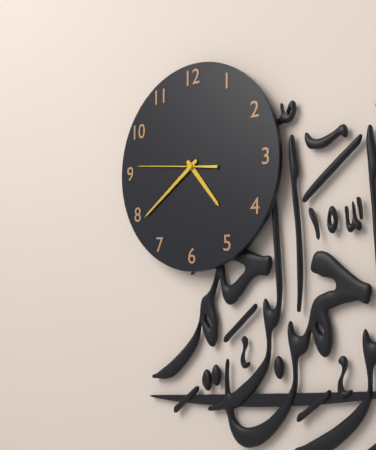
4:39:46
